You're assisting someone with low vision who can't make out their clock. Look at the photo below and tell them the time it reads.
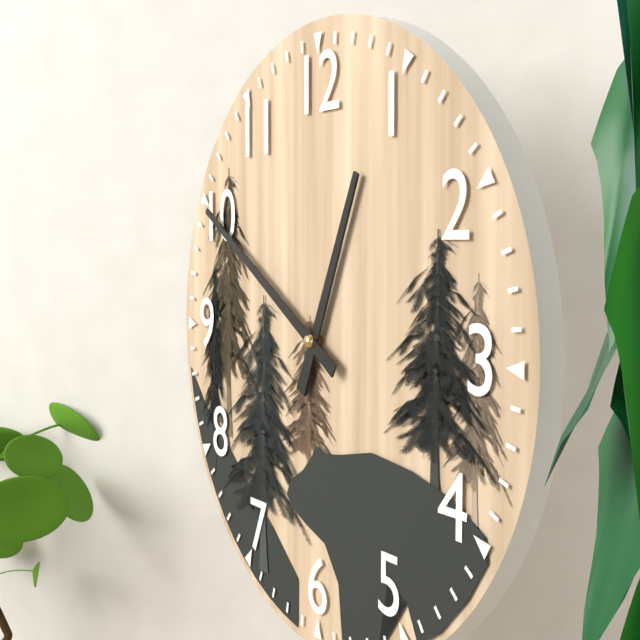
12:50
